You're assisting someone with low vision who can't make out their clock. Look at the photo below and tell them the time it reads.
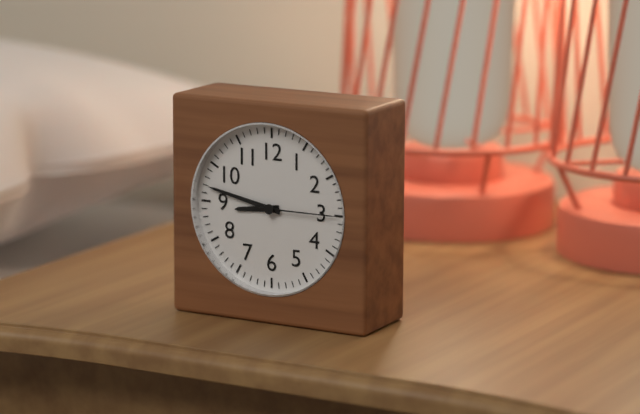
8:47:15
